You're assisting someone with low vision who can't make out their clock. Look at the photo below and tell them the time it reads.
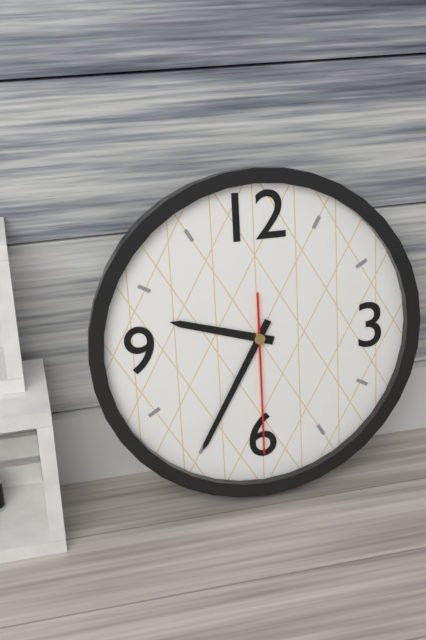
9:35:30
